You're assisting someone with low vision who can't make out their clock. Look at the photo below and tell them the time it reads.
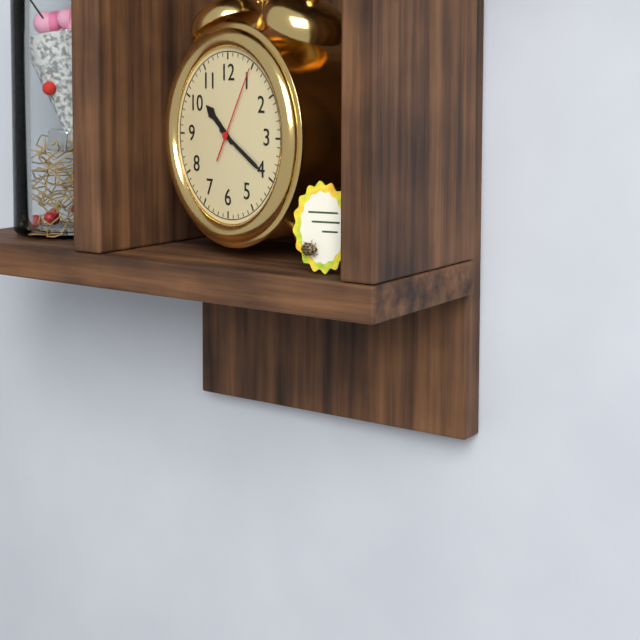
10:20:05
